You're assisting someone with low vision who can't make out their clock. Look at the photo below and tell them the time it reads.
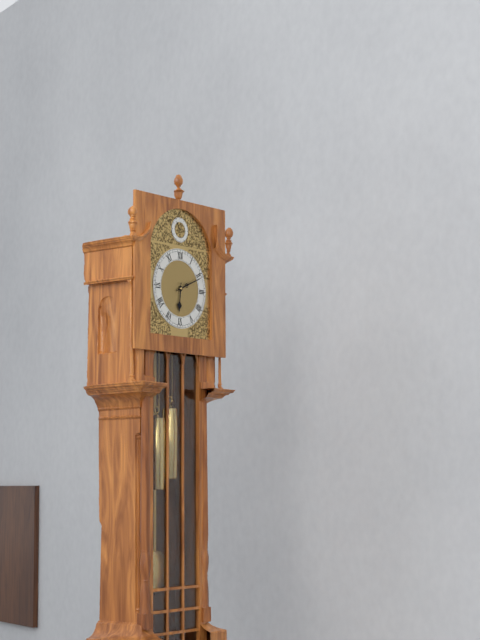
6:11
